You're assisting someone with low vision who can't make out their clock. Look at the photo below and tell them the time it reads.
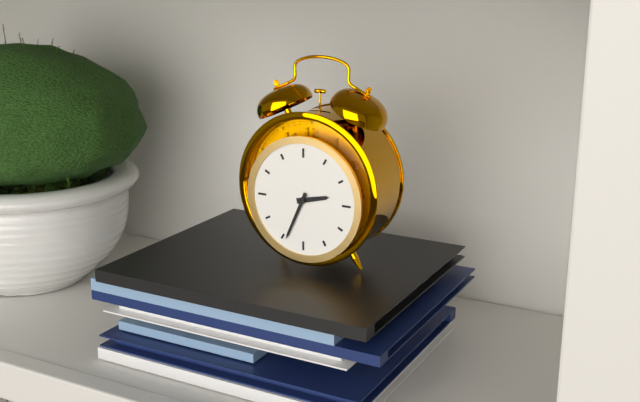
2:34
